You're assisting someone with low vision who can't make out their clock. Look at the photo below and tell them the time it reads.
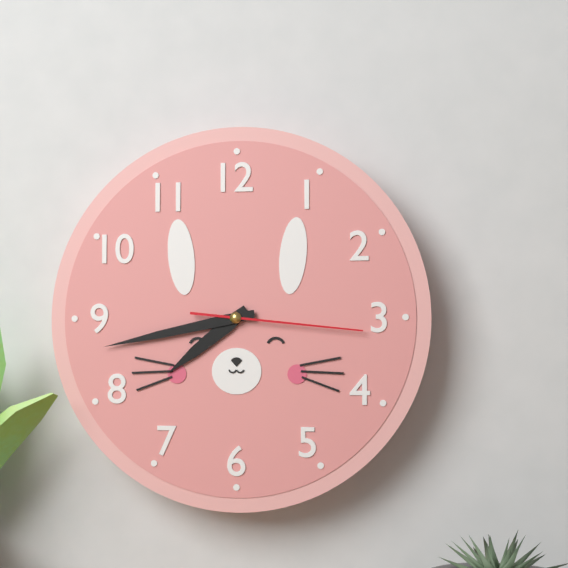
7:43:16
